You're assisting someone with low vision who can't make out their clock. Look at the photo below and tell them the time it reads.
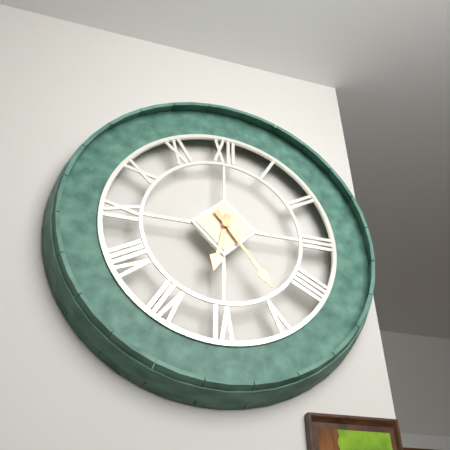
6:24
